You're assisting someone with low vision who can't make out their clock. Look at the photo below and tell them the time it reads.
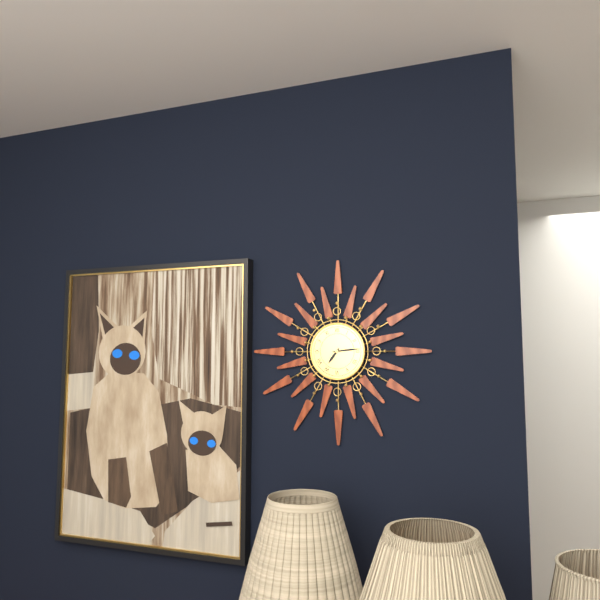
7:14
